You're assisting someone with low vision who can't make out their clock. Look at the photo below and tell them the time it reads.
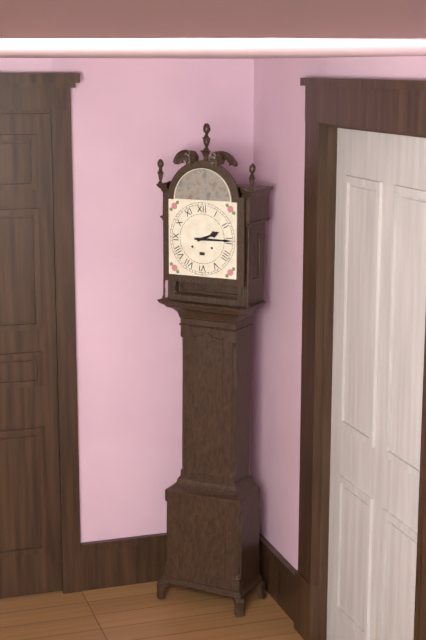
2:15
